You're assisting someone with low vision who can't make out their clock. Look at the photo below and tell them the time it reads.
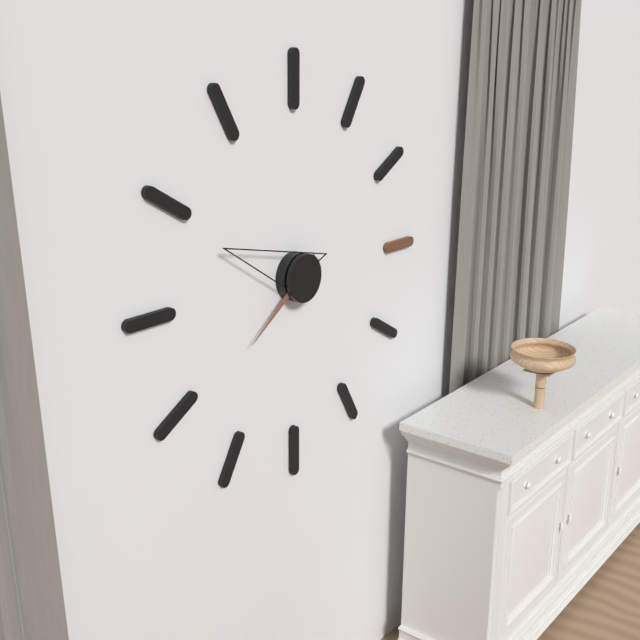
7:49
